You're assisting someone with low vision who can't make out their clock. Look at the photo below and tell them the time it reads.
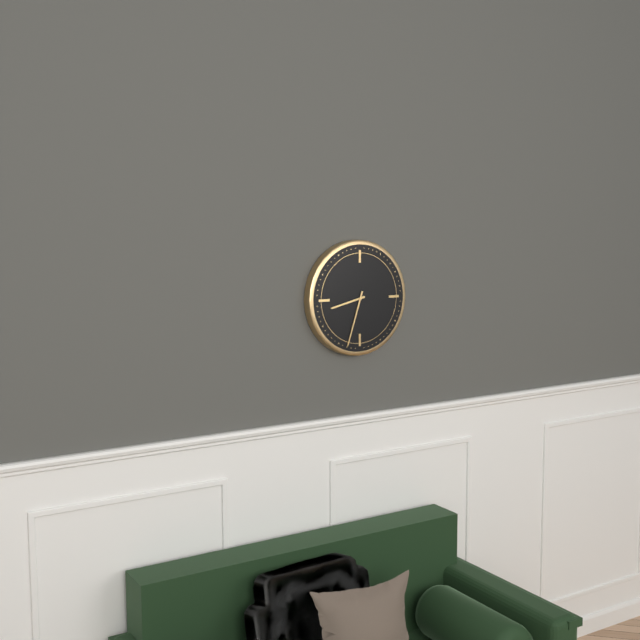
8:33
